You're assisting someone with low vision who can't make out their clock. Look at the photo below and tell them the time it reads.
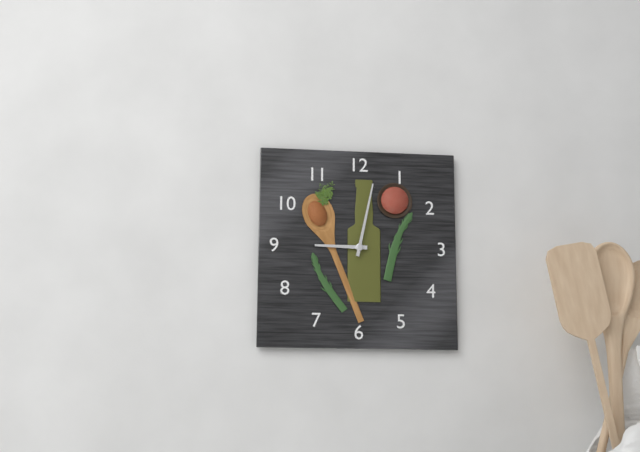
9:02
